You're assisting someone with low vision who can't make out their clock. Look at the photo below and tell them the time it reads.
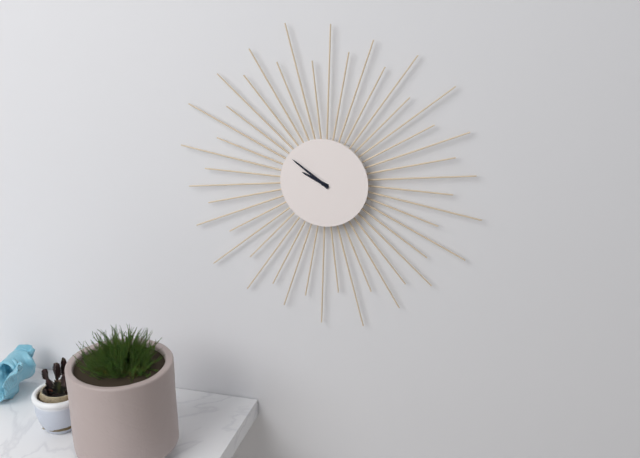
9:51
